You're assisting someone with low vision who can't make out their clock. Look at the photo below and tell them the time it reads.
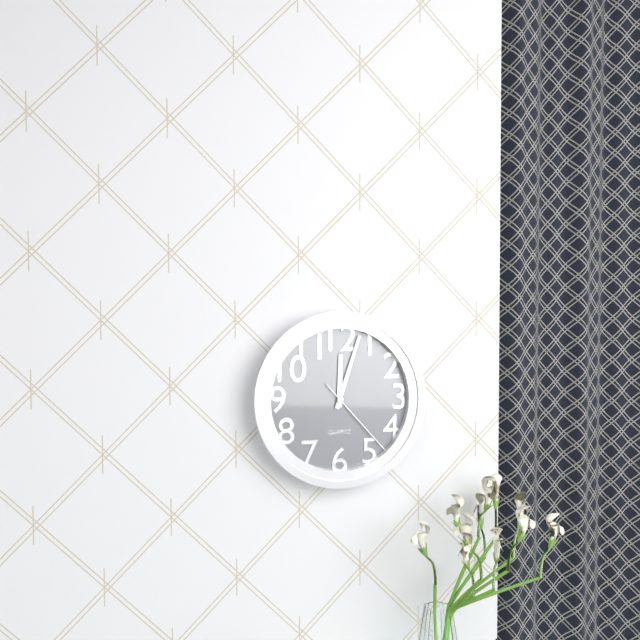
12:03:23
